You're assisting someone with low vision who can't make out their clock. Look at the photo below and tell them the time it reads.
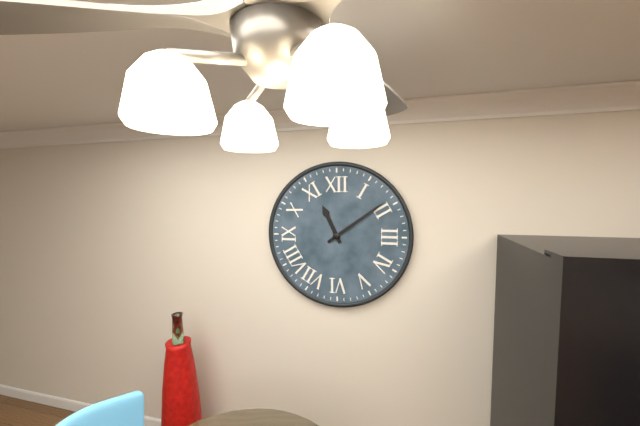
11:09
